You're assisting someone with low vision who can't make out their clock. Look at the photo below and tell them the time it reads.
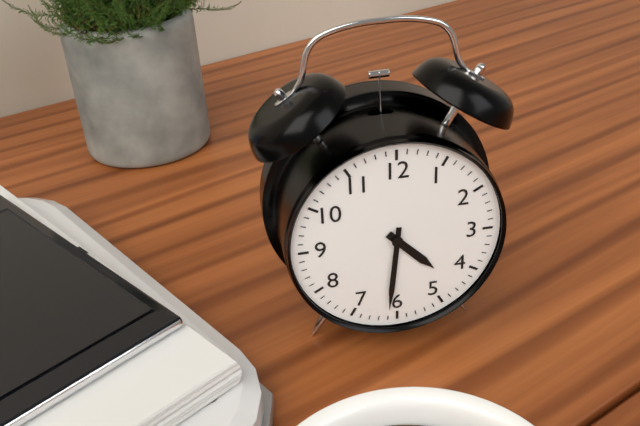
4:31
